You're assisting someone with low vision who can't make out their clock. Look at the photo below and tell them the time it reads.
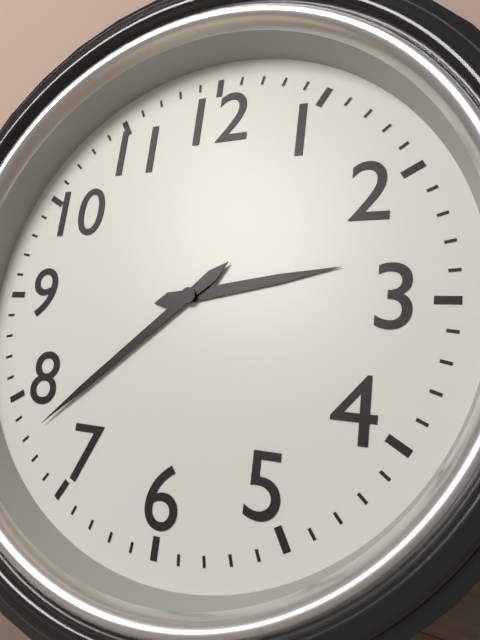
2:38
